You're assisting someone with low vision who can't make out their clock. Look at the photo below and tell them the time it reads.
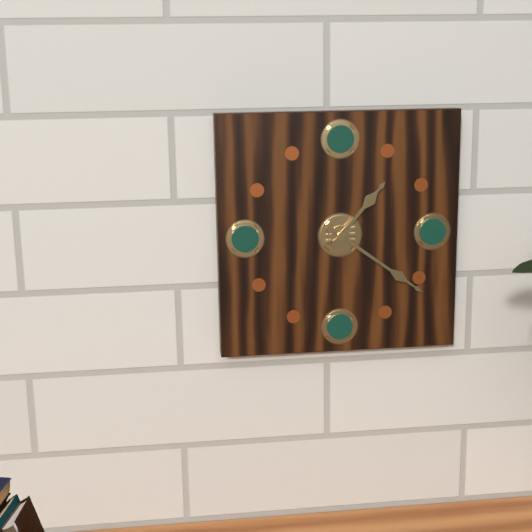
1:21
